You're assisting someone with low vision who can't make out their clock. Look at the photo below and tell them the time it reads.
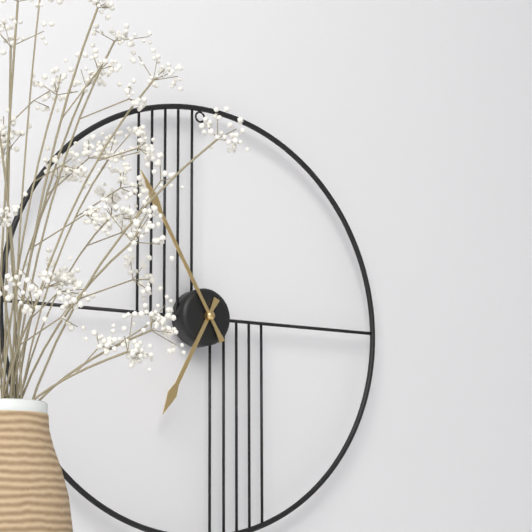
6:55
